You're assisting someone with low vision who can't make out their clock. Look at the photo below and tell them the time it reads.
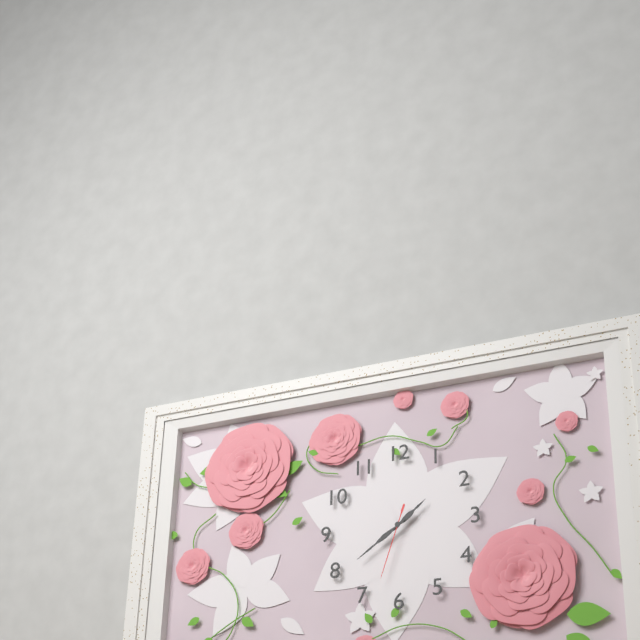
1:39:33
